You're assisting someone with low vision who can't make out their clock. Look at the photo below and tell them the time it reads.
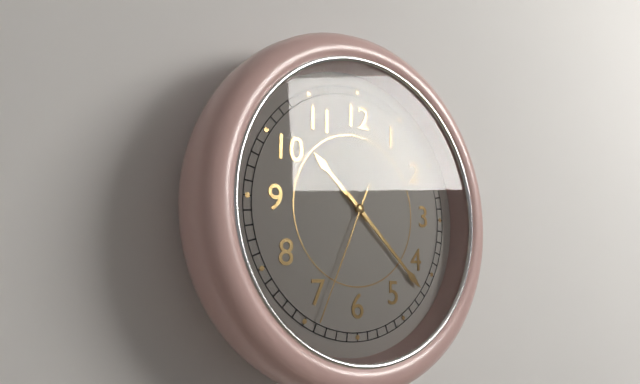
10:22:34
